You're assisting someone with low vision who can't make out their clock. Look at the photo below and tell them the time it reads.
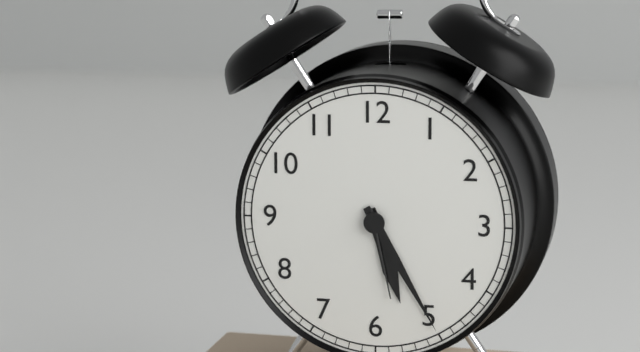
5:25:28
